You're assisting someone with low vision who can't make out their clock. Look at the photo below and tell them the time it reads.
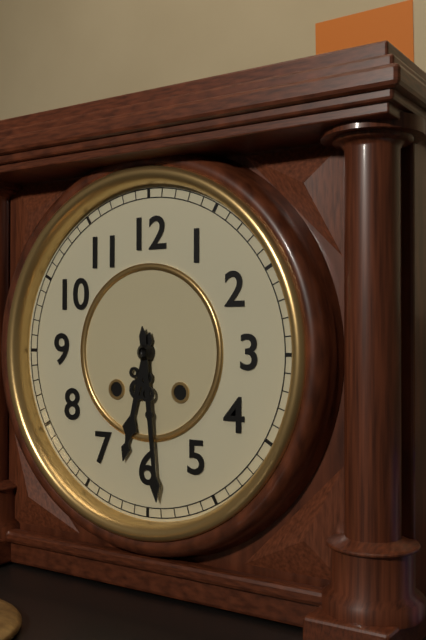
6:29
